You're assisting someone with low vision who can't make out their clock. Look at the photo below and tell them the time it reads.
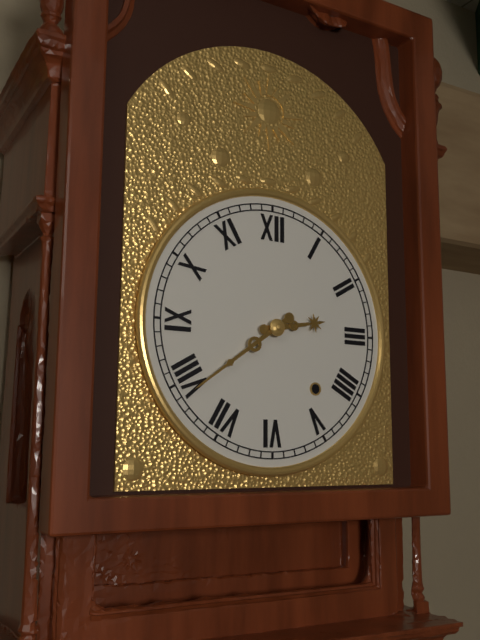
2:39
